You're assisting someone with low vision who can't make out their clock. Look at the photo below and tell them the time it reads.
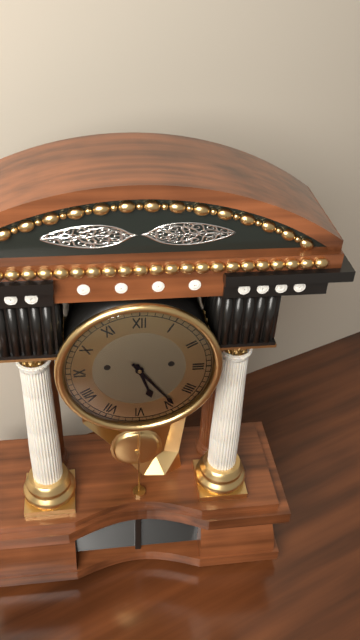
5:24
